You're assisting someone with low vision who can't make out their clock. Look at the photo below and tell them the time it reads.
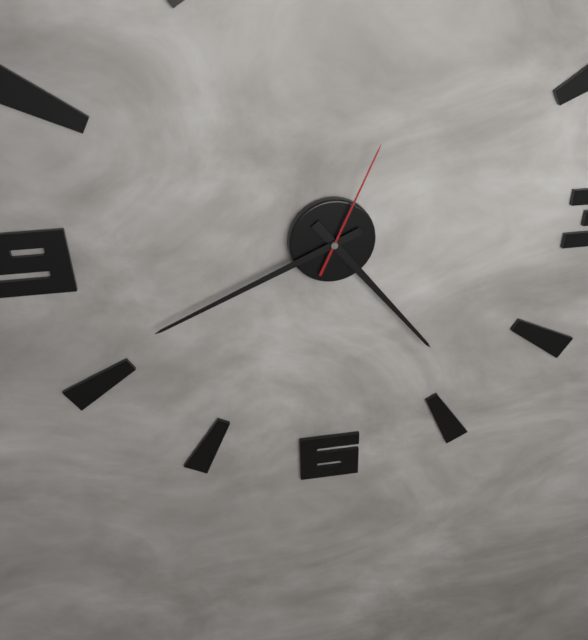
4:41:04
